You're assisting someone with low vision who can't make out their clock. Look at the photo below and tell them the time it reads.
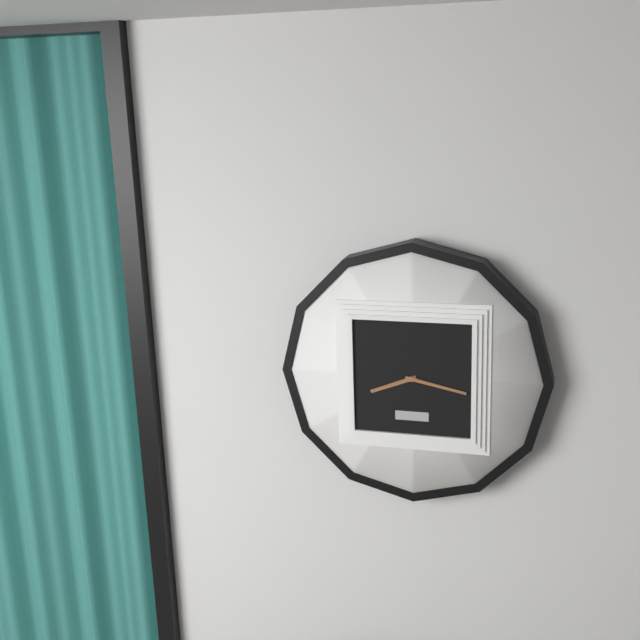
8:17
